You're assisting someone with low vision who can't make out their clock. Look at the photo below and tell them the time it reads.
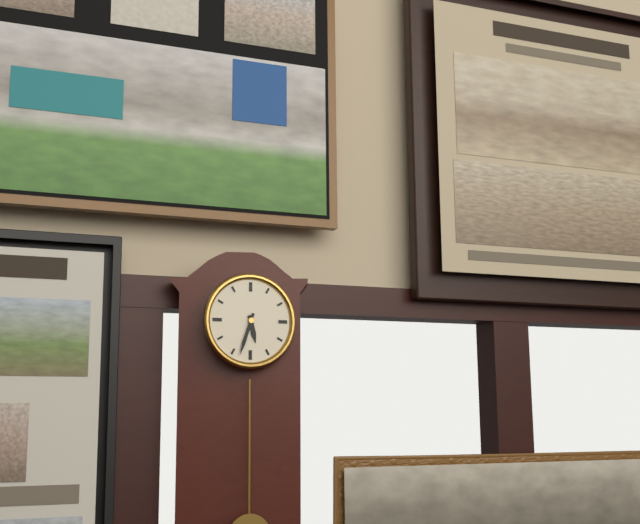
5:33
